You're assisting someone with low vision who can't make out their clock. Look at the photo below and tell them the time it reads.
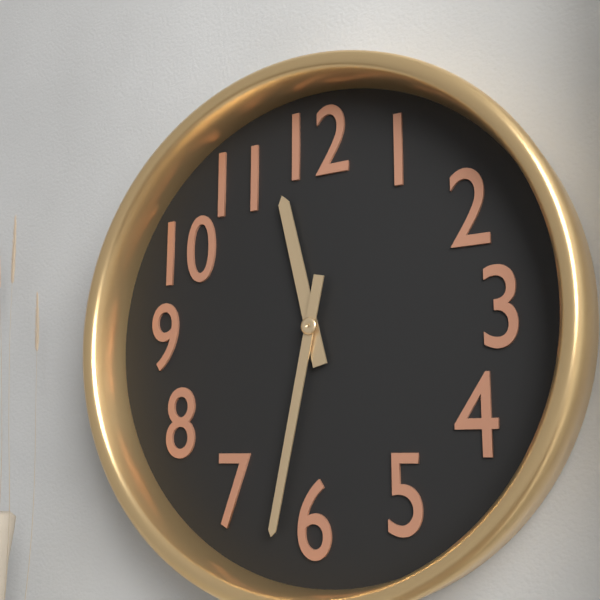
11:32
